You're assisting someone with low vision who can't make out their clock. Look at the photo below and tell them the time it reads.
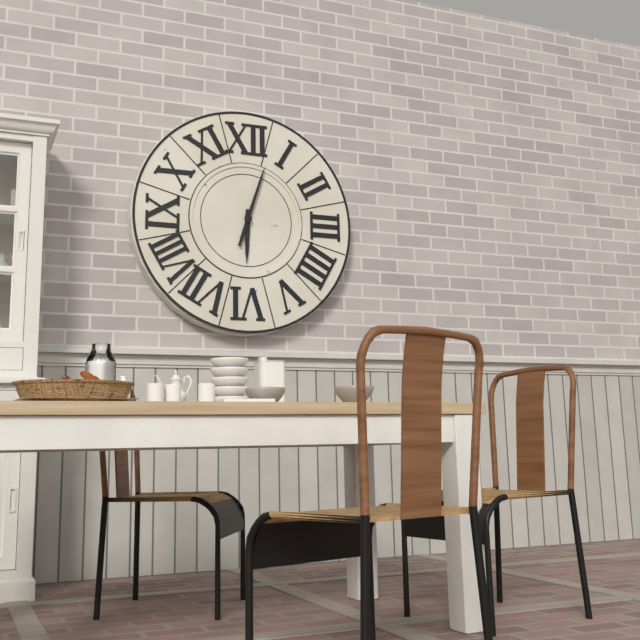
6:03
